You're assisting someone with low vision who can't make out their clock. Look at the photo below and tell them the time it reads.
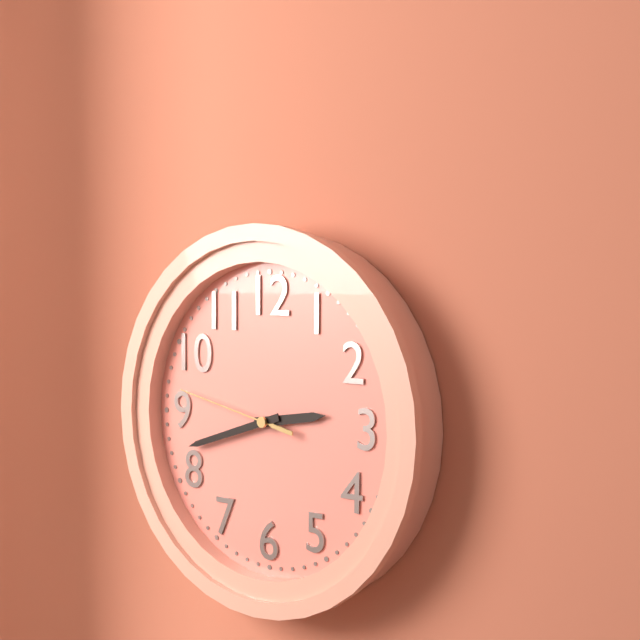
2:42:47
